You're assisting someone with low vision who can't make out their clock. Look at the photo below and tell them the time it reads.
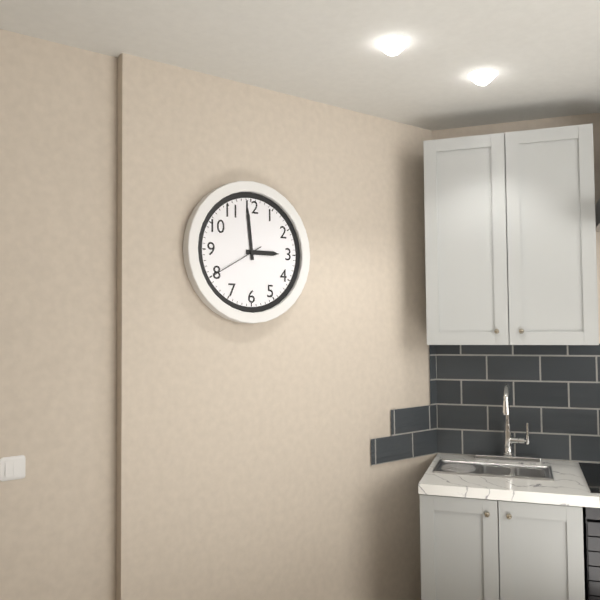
2:59:40
